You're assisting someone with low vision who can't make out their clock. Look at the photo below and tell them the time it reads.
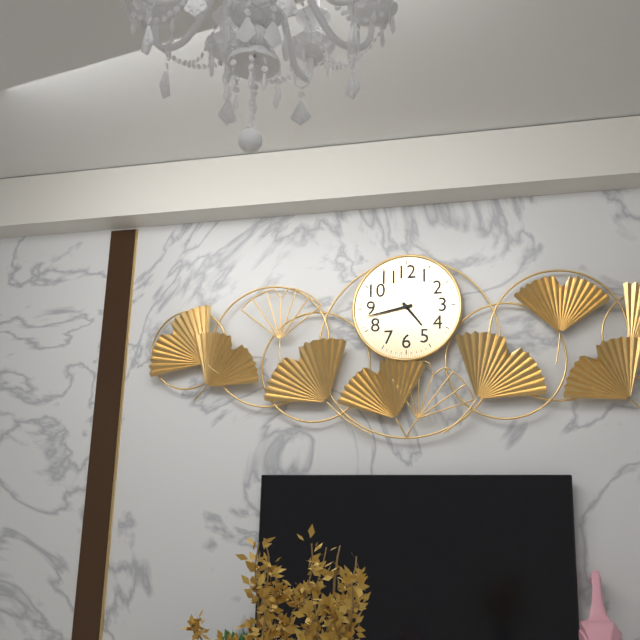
4:43
